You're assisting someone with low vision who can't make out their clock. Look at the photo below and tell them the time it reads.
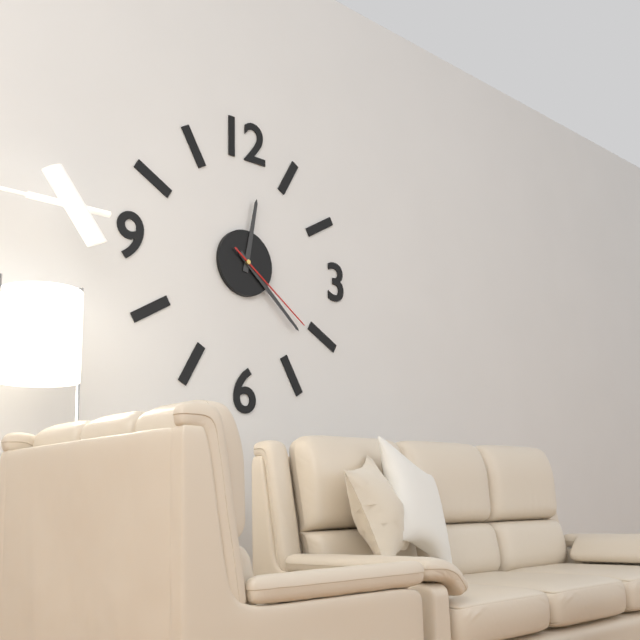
12:22:21
